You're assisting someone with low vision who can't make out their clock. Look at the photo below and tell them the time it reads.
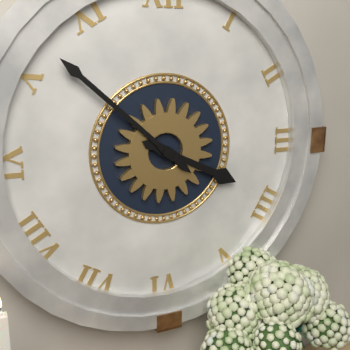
3:52
